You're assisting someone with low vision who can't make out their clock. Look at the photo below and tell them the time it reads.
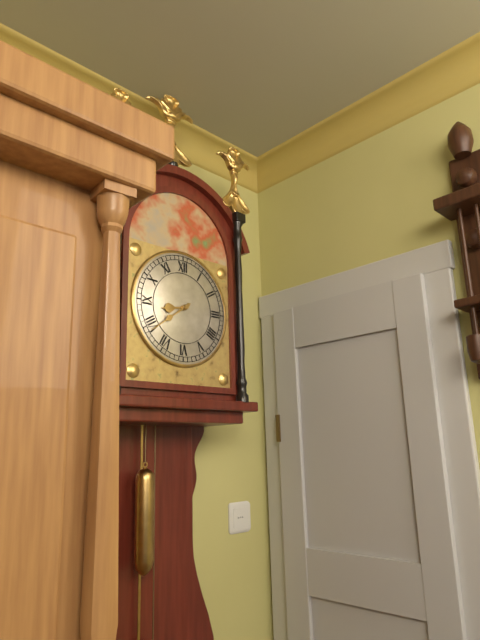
8:39
